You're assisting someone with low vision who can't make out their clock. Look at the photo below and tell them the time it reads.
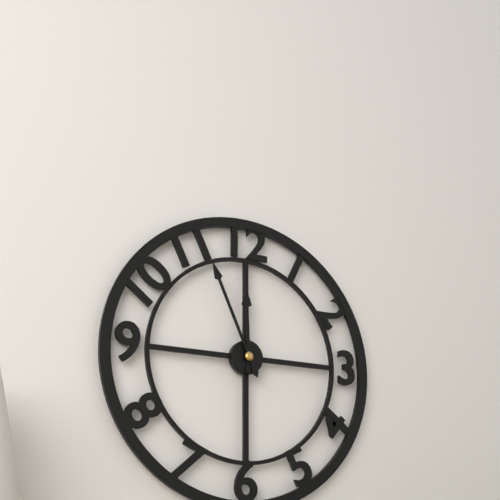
11:56
